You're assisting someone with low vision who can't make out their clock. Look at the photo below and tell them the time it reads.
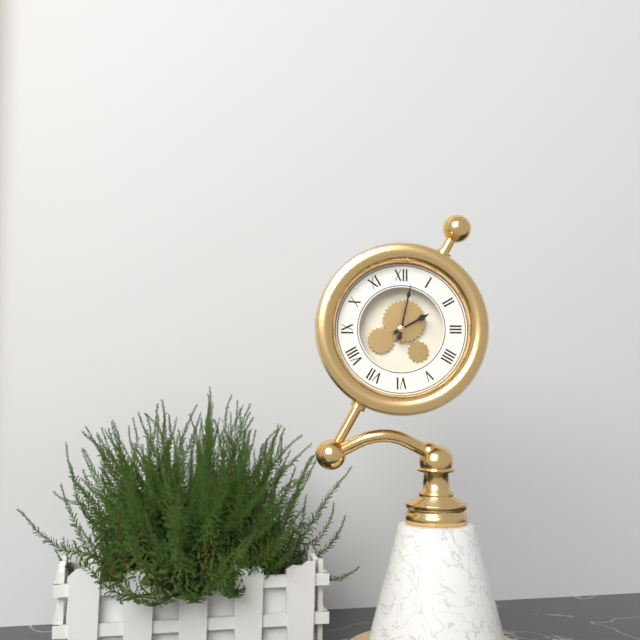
2:02
